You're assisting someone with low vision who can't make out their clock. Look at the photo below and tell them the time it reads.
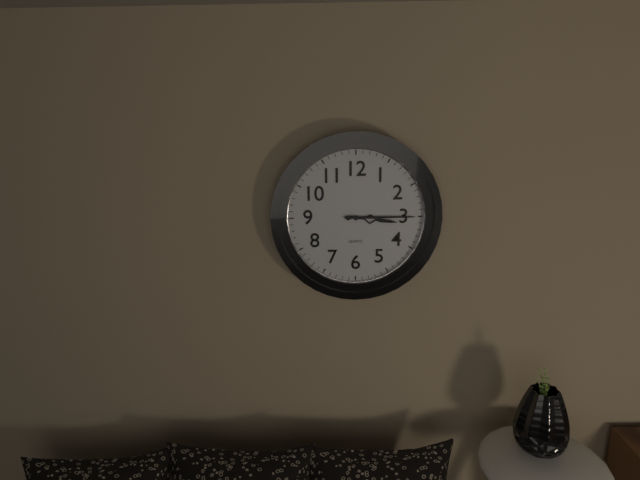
3:15
